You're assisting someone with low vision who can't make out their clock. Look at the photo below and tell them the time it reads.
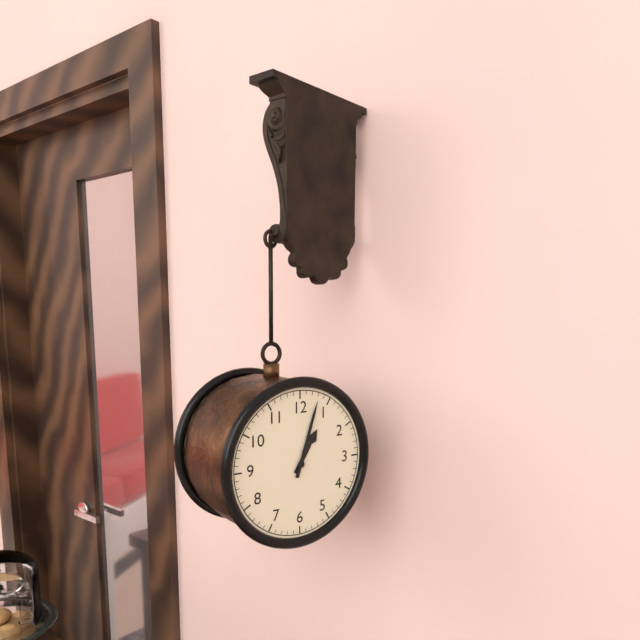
1:03
